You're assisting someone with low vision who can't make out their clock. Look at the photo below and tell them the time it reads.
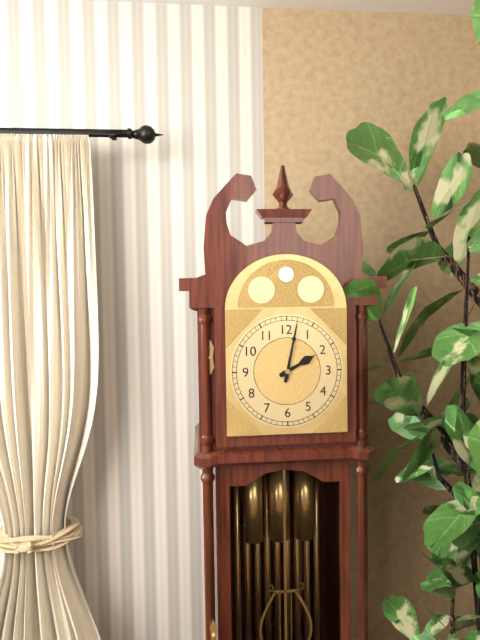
2:02
